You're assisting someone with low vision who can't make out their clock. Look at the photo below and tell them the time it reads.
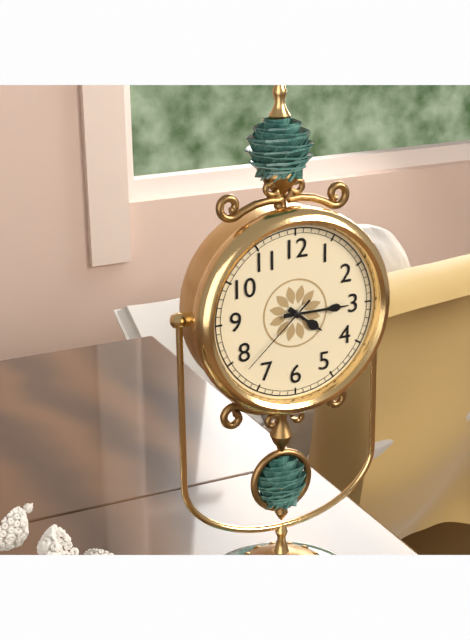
4:15:38
